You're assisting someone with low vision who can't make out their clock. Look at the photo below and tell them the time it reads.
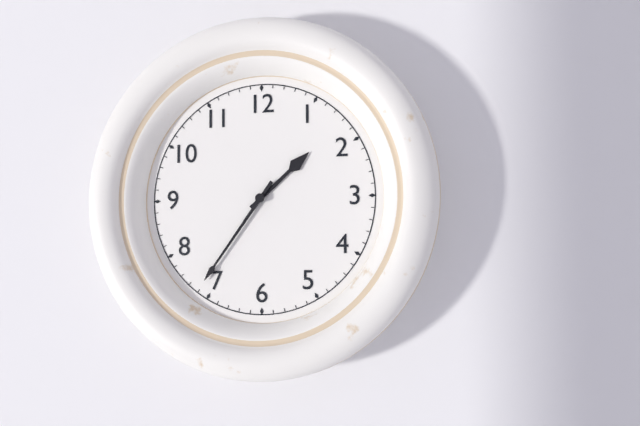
1:36
